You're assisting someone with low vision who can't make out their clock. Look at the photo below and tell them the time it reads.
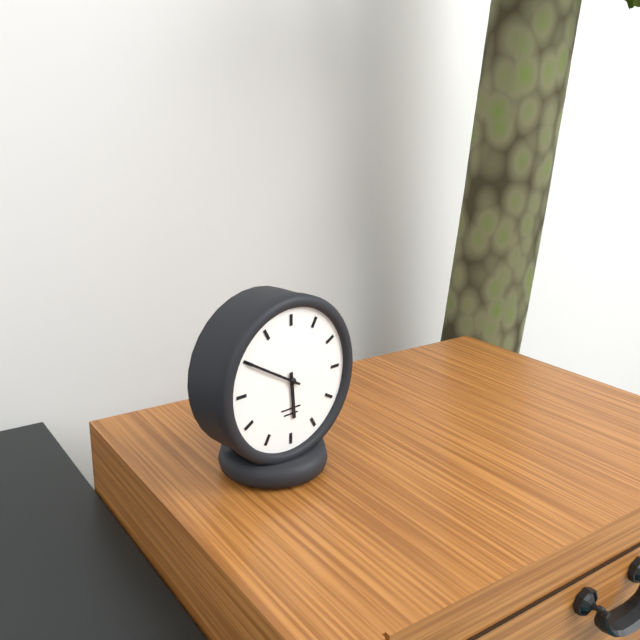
5:50
